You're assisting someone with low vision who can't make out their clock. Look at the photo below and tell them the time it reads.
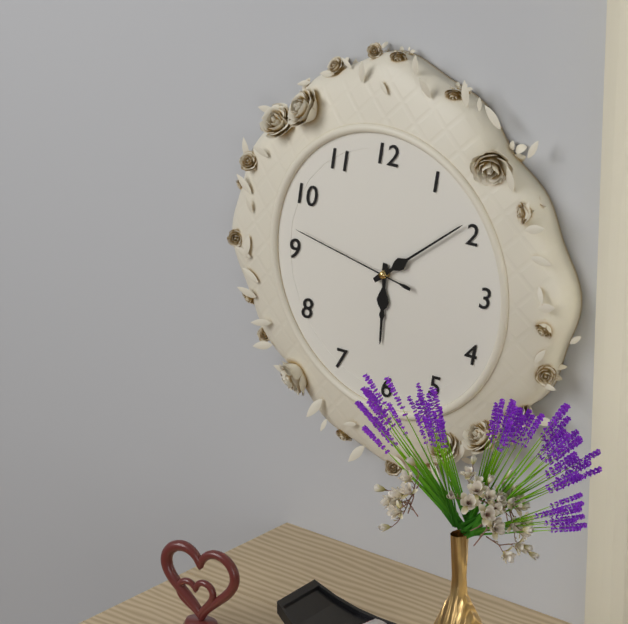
6:09:47
